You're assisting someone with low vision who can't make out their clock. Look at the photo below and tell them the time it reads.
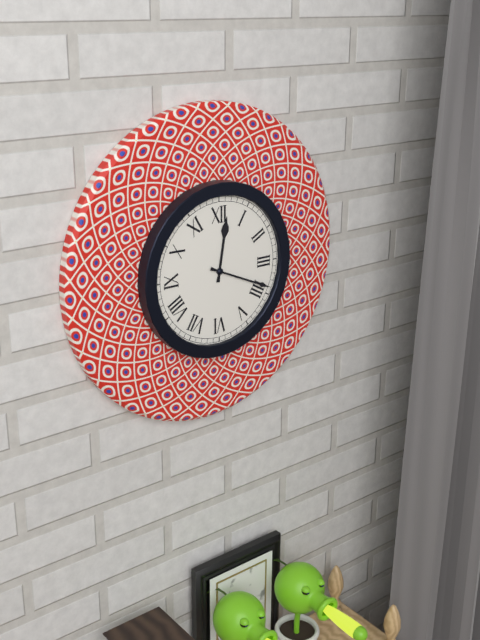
12:19
